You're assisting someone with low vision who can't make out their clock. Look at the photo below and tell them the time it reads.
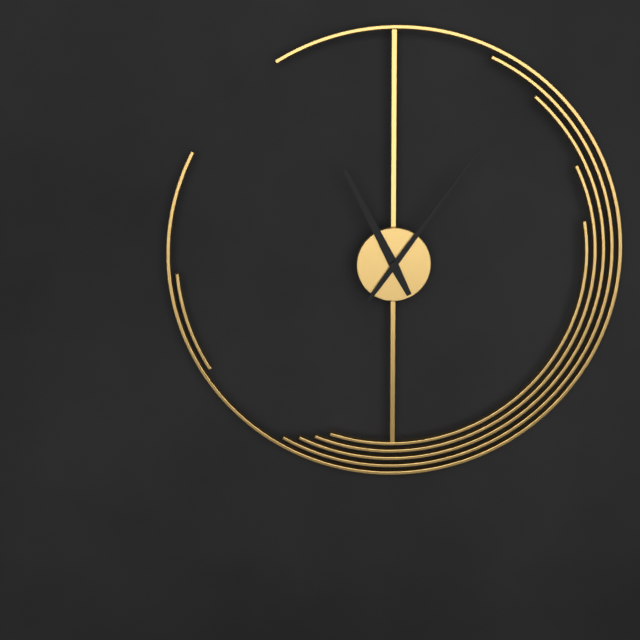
11:06
